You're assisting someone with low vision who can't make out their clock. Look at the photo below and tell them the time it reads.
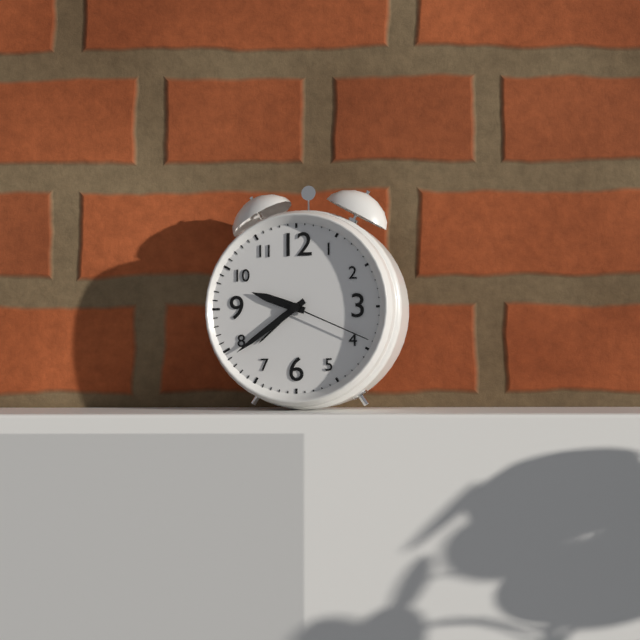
9:39:19
